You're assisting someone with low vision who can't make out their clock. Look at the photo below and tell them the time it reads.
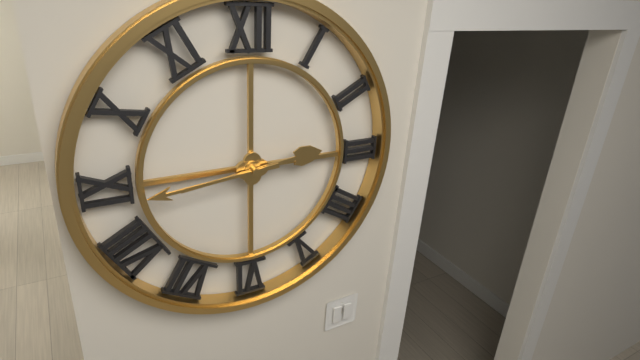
2:44
